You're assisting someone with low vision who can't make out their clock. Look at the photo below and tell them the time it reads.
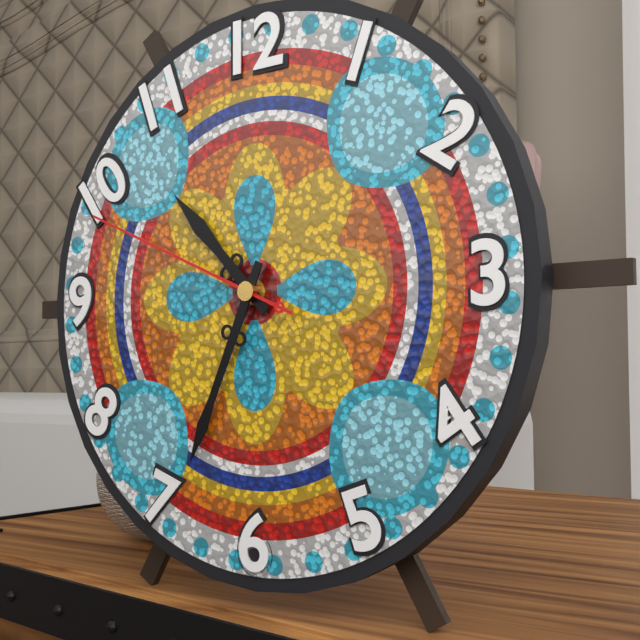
10:34:49
